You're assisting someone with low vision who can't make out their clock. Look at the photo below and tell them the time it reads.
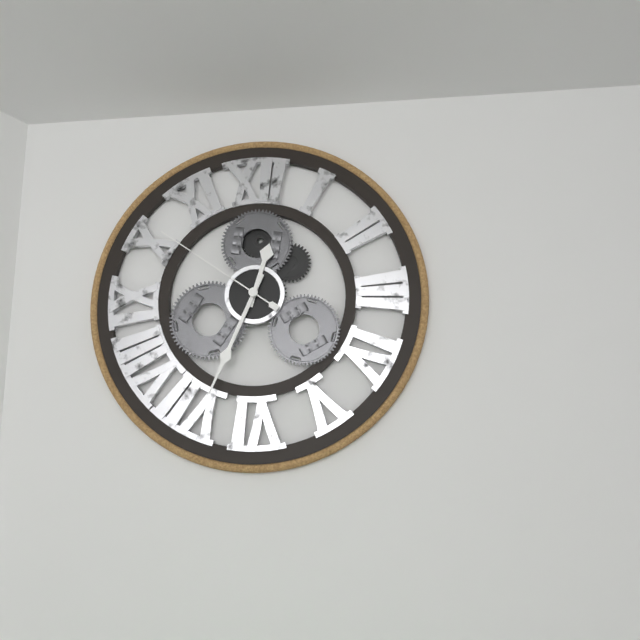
12:34:51
